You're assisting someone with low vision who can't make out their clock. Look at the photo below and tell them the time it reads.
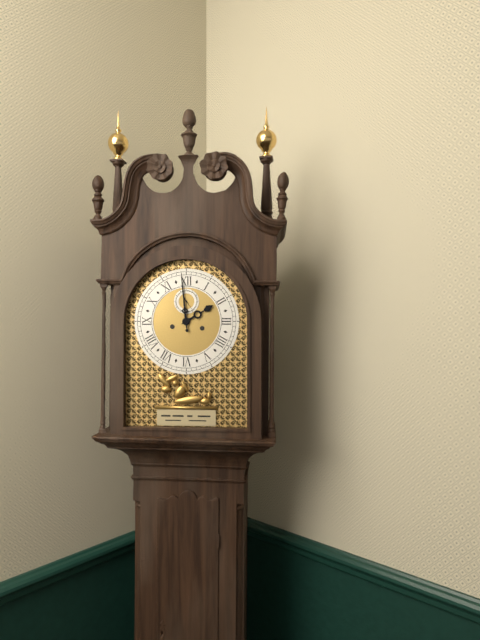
1:59
